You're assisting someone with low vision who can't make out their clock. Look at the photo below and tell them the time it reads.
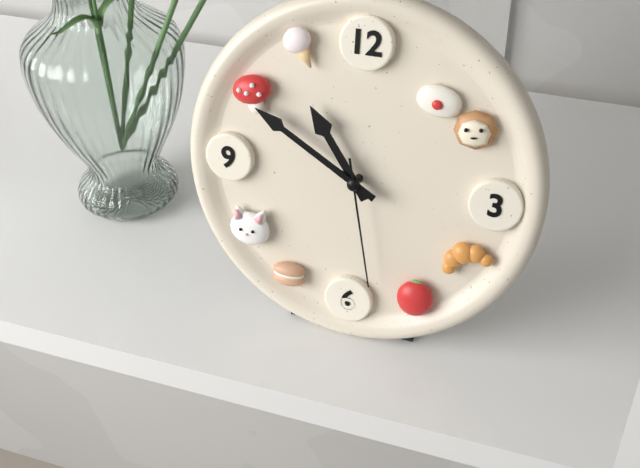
10:50:28
